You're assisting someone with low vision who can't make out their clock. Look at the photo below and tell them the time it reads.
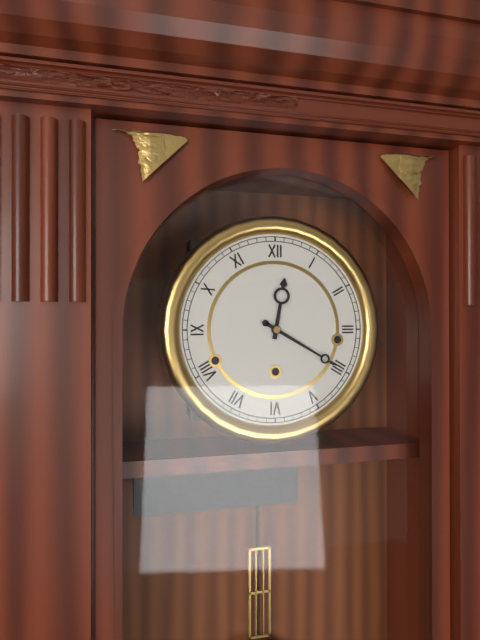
12:20
